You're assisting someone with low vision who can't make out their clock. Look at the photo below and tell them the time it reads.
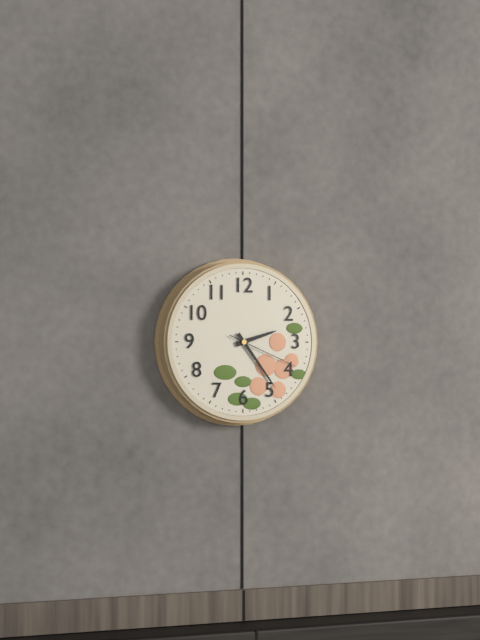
2:24:19
